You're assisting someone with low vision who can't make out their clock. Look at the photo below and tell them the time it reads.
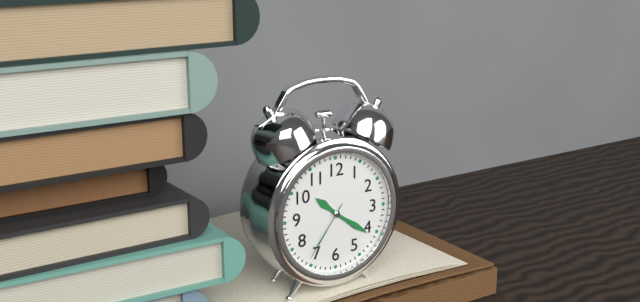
10:21:36
